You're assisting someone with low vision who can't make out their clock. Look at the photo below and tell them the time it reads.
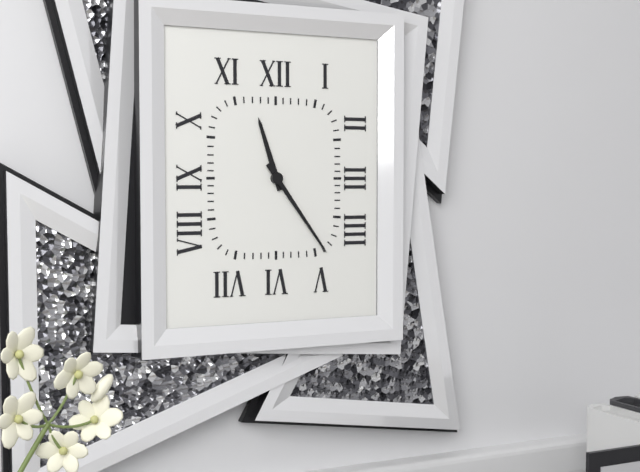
11:24
